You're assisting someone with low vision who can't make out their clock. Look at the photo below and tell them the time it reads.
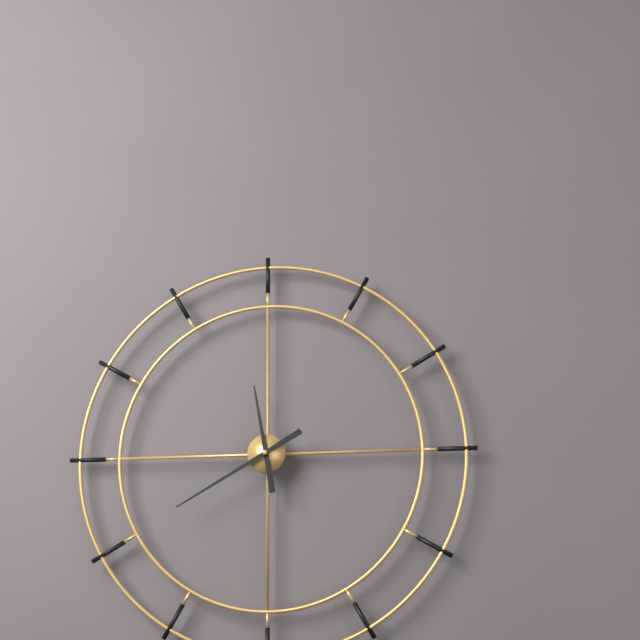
11:40
